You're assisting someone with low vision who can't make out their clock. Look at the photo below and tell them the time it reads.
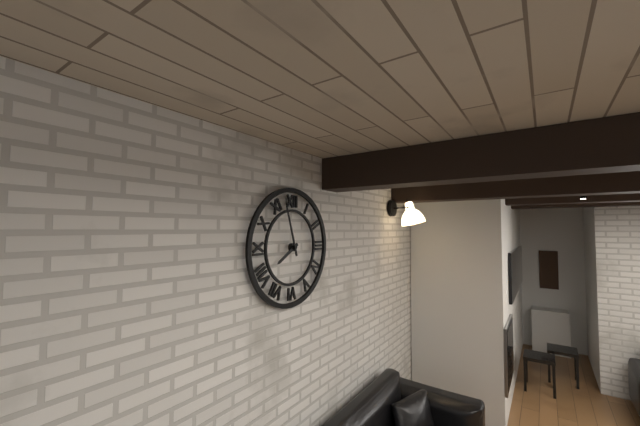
7:57
